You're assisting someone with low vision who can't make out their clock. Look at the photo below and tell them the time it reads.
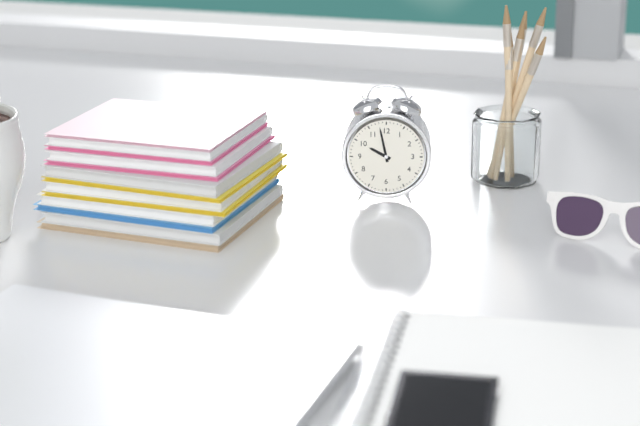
9:58
